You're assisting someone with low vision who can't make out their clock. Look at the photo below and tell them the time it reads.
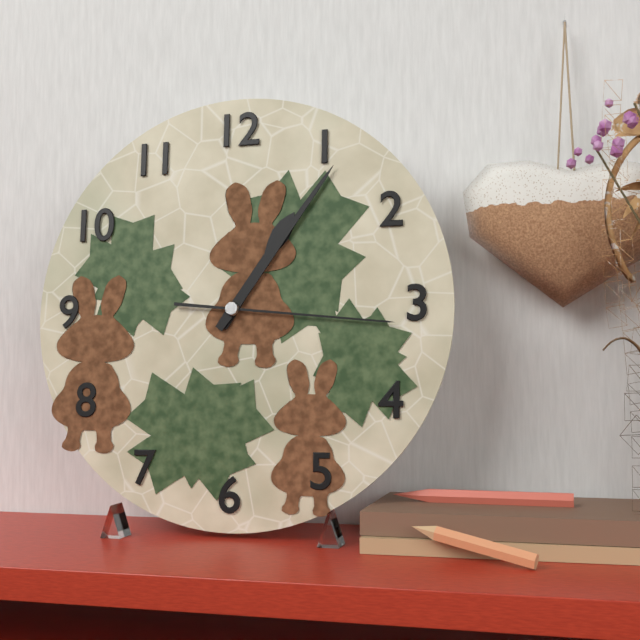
1:06:16
